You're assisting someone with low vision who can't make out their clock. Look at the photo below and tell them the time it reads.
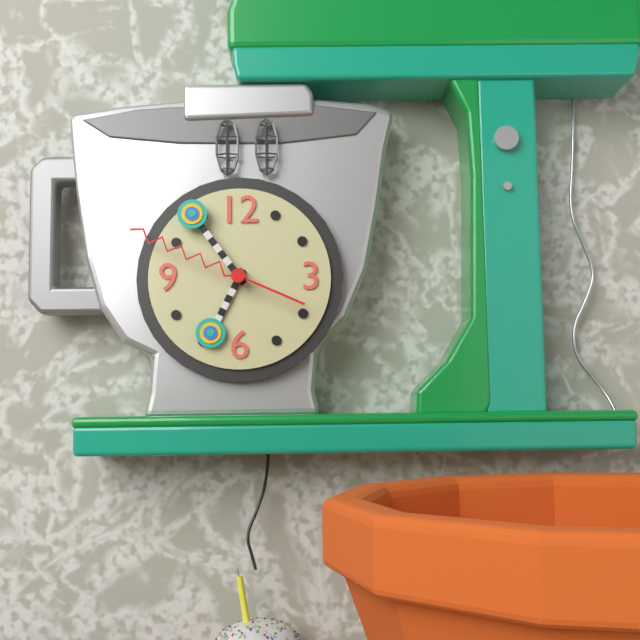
6:54:49
